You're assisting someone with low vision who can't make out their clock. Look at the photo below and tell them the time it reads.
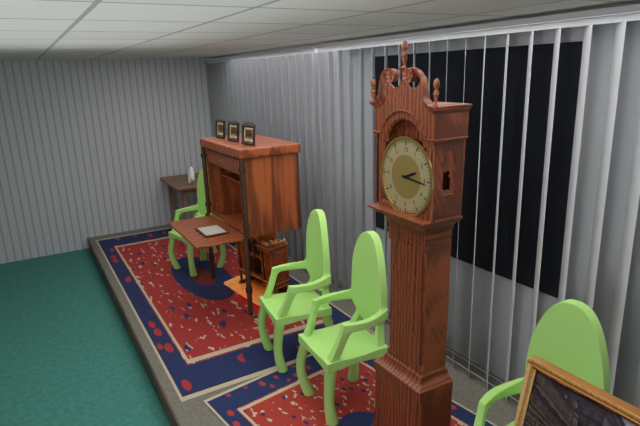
2:16
